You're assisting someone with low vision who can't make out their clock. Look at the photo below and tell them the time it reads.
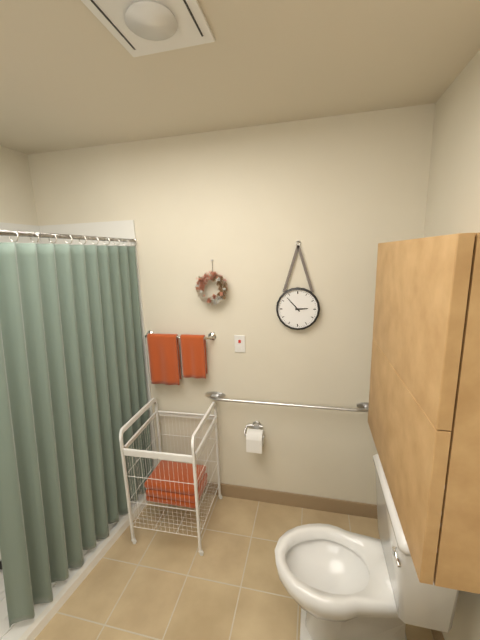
2:53
